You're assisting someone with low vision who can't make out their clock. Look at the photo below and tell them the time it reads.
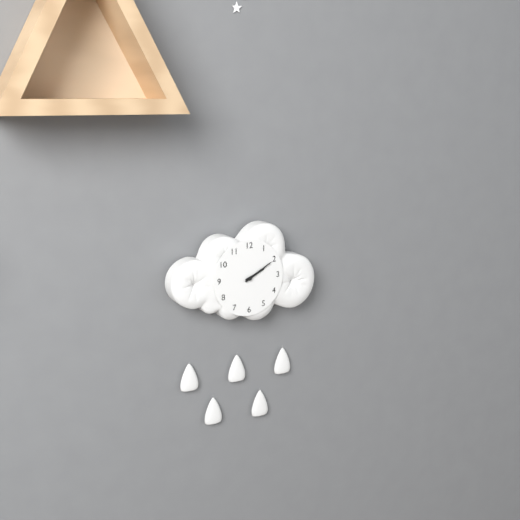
2:10
